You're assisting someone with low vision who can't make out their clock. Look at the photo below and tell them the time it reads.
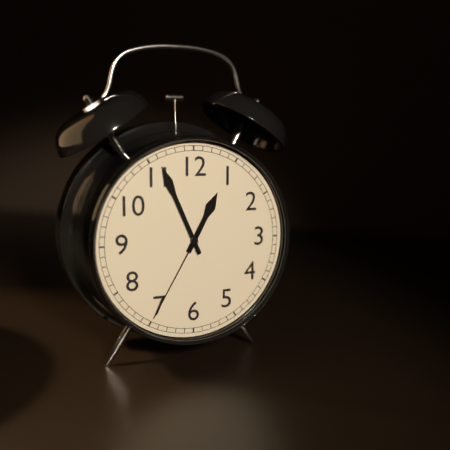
12:56:35
